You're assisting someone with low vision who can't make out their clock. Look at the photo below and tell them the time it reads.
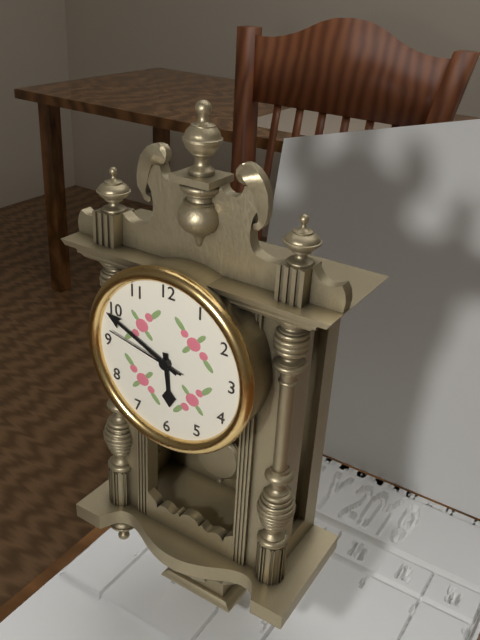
5:49:47
